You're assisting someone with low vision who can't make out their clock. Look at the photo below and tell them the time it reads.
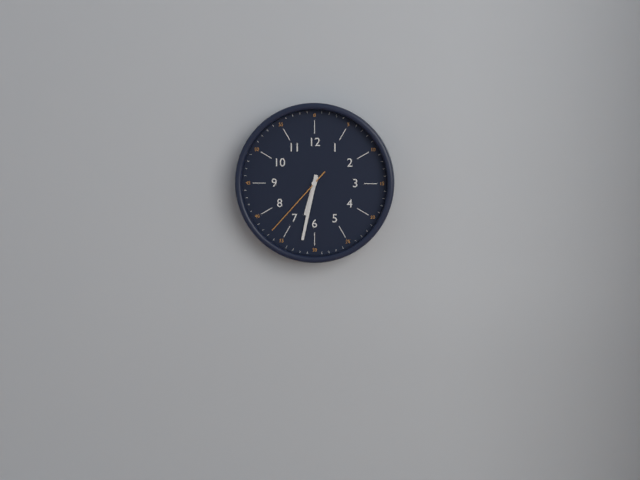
6:32:37
